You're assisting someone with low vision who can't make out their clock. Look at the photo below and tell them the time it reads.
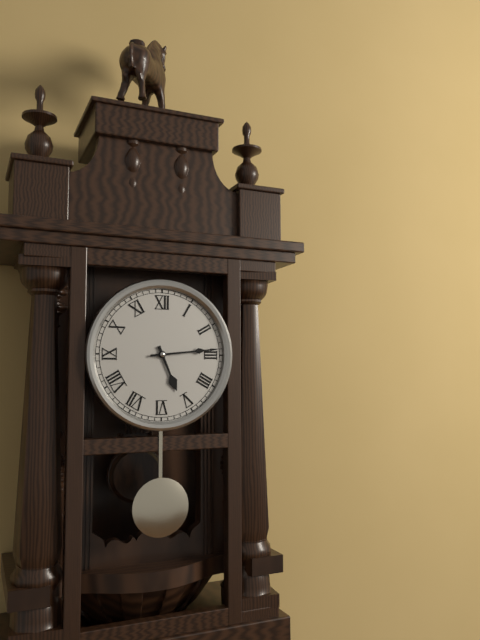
5:14
